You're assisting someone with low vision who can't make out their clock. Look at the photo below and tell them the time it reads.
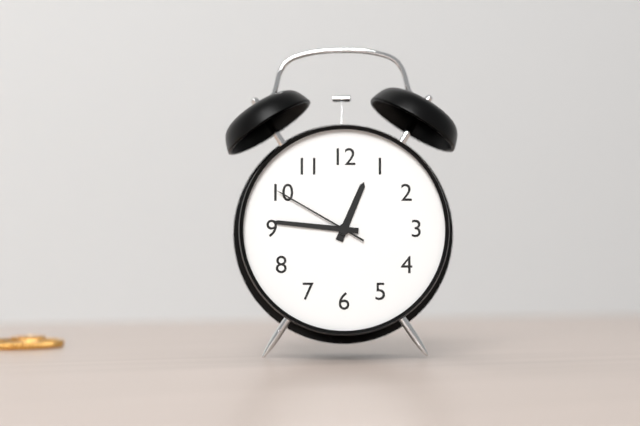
12:46:50
